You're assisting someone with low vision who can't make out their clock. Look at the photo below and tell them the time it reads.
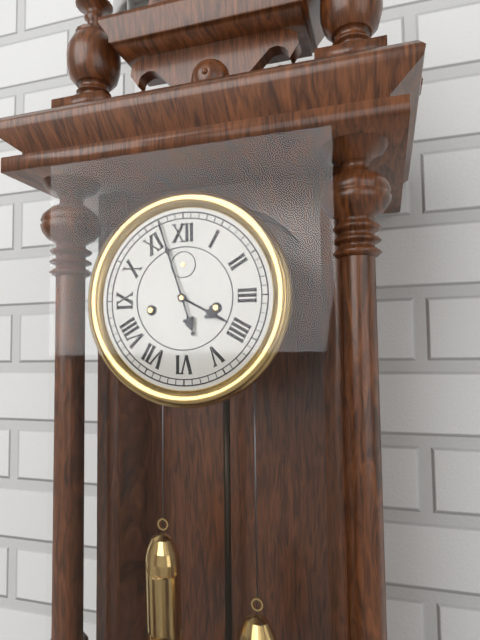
3:57
